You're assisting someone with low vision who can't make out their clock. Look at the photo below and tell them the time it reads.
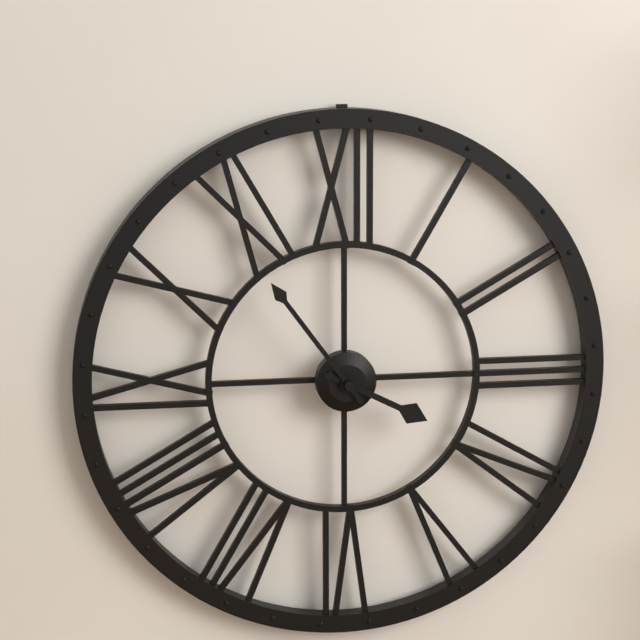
3:54
